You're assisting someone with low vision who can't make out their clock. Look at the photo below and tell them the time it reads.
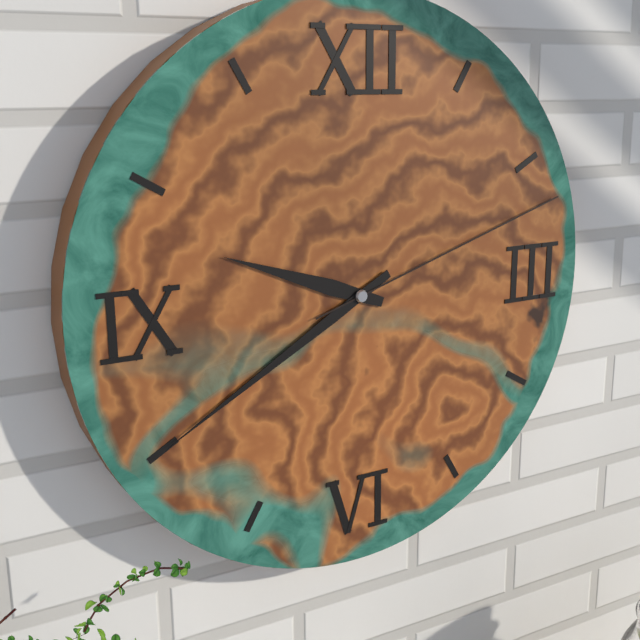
9:40:12
